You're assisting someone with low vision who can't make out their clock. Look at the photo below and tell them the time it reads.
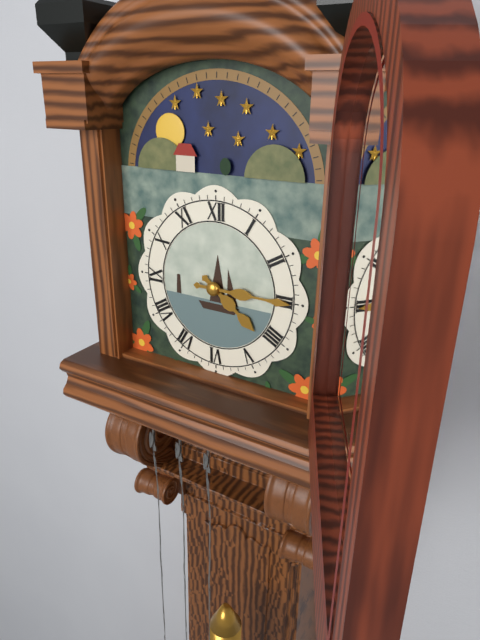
4:15
